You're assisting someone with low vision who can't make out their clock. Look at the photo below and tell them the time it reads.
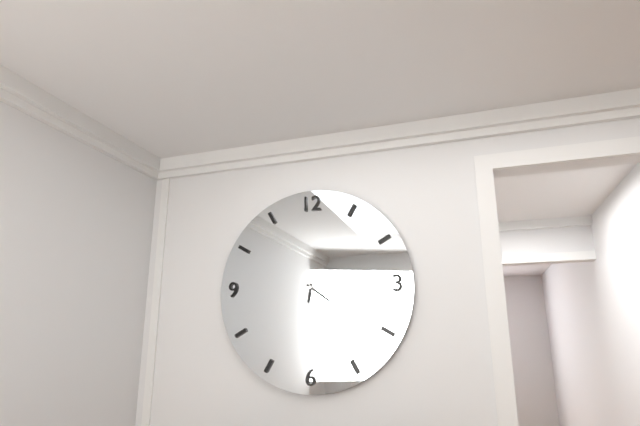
6:21
